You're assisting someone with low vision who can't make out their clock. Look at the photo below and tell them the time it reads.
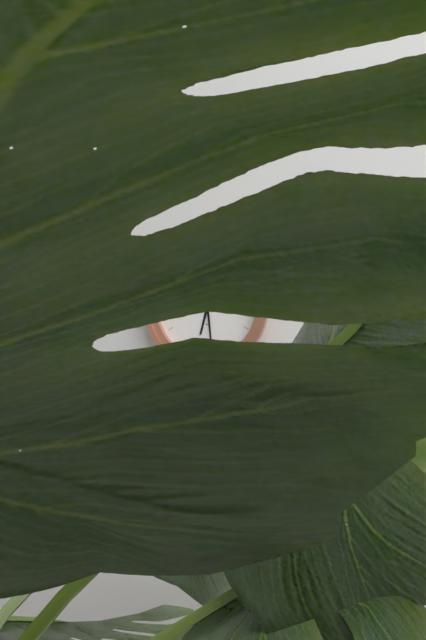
6:29:17
